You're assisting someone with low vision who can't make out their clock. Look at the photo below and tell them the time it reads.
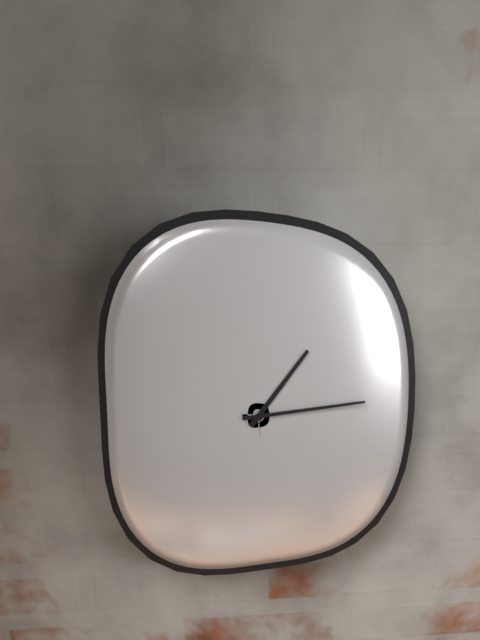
1:14
